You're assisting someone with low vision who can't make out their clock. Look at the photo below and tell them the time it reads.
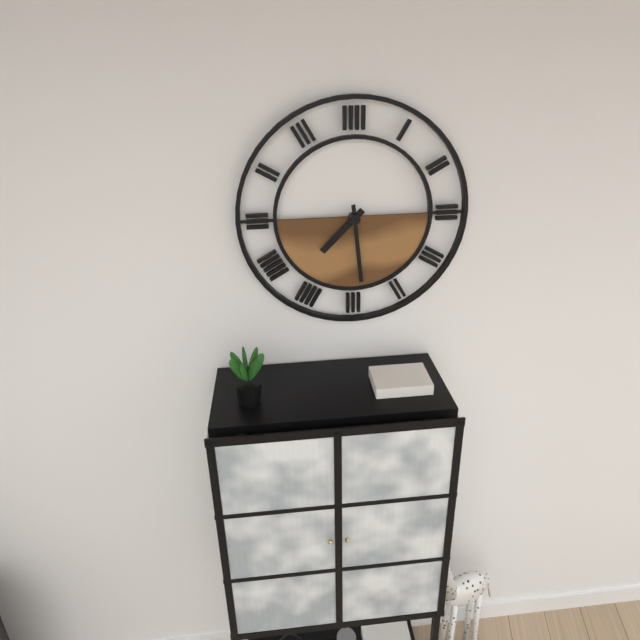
7:29
